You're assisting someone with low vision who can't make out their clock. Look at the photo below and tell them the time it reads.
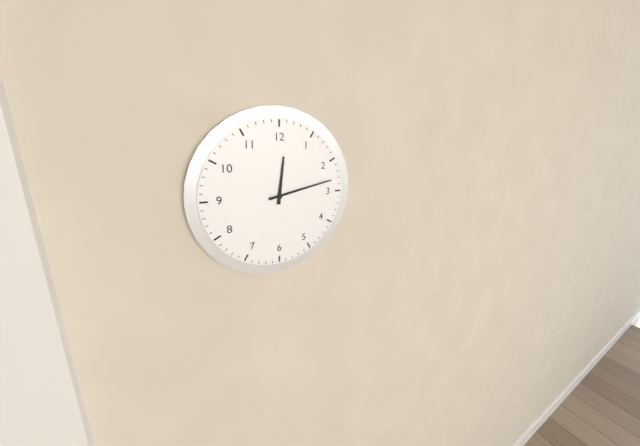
12:13
